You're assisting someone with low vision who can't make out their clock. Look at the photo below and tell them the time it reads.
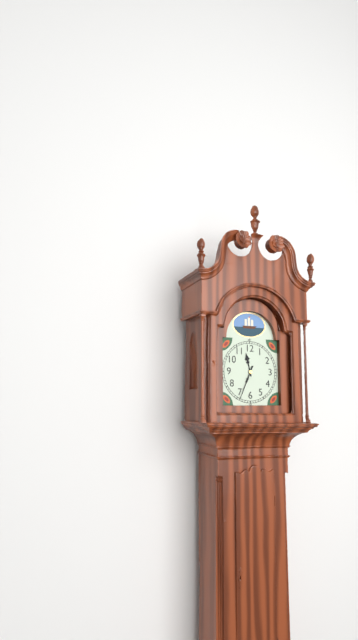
11:34
